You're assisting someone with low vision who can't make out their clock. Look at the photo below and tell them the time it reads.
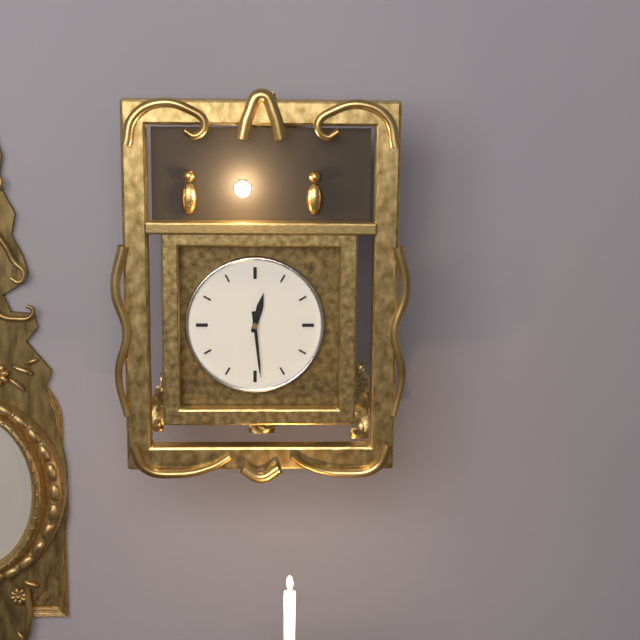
12:29
